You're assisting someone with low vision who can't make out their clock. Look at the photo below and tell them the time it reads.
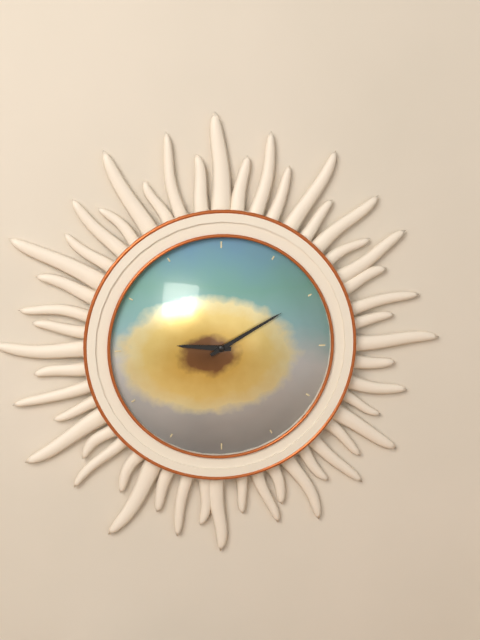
9:10
